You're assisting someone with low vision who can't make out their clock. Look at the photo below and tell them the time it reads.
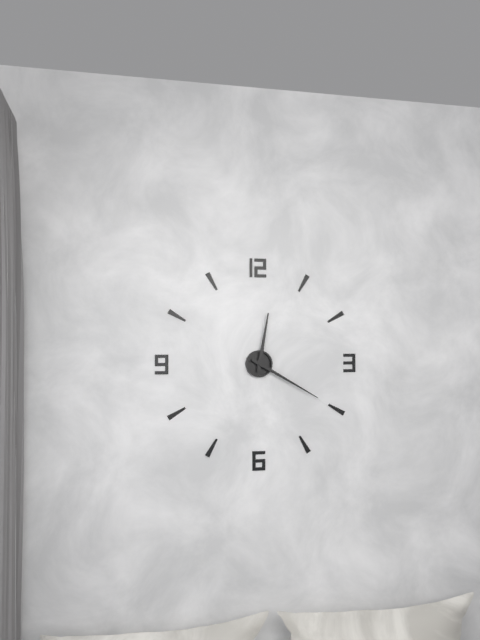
12:20
